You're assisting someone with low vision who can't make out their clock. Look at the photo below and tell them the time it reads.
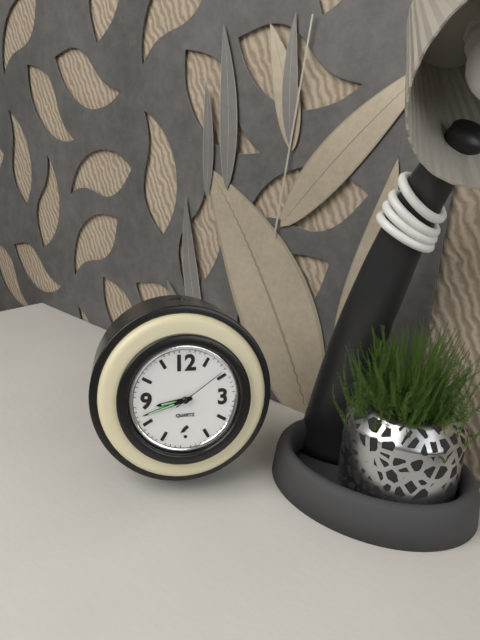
8:42:09
